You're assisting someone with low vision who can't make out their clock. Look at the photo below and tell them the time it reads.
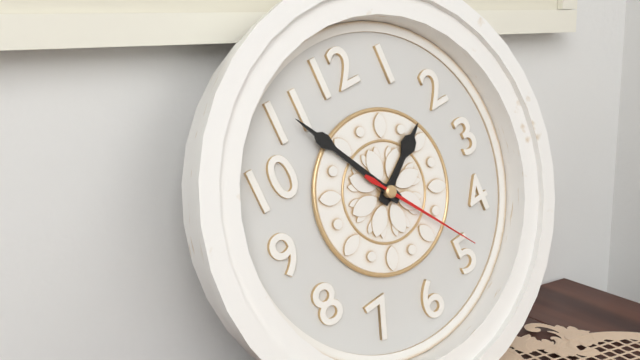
1:55:24
